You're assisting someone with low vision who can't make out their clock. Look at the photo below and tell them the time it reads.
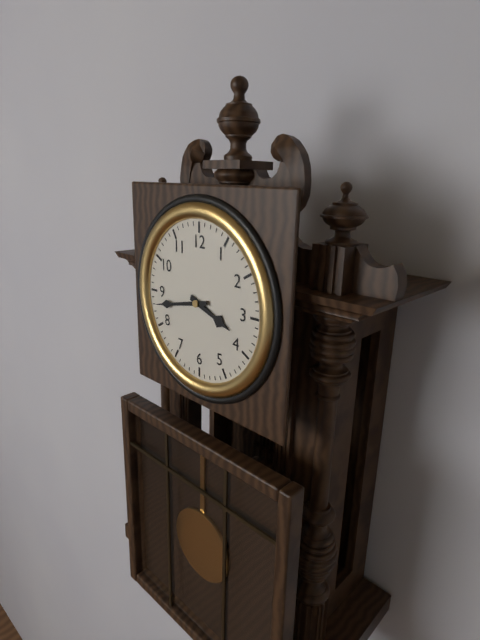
3:43
